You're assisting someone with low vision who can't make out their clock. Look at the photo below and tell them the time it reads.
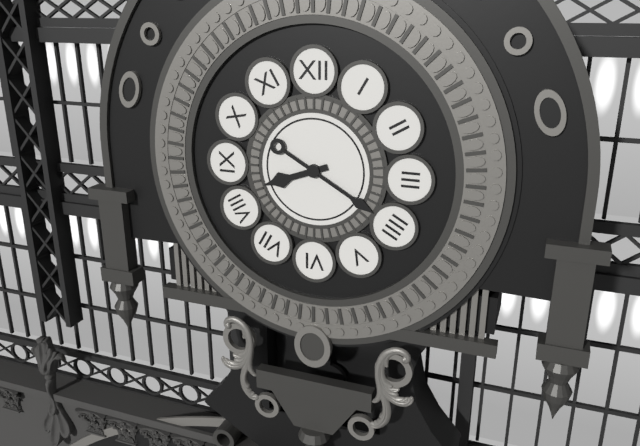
8:20
